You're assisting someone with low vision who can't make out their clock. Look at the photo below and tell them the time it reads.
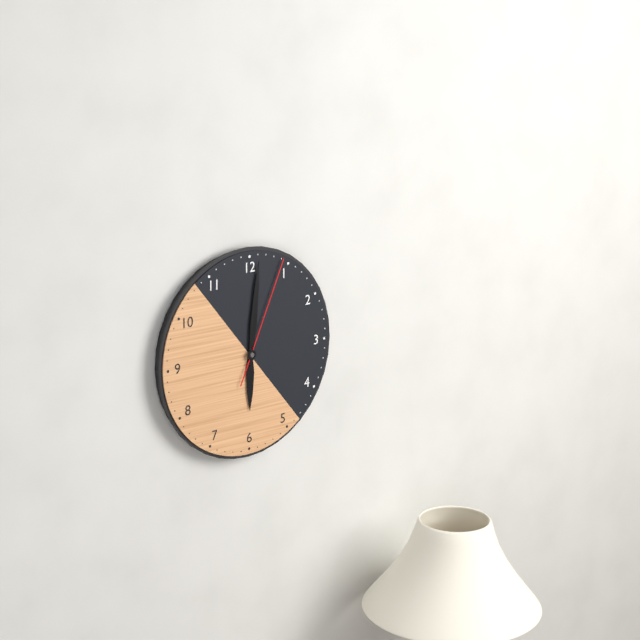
6:01:04
